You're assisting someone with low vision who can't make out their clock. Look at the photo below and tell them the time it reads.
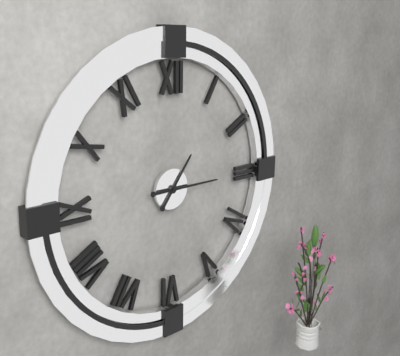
1:15
